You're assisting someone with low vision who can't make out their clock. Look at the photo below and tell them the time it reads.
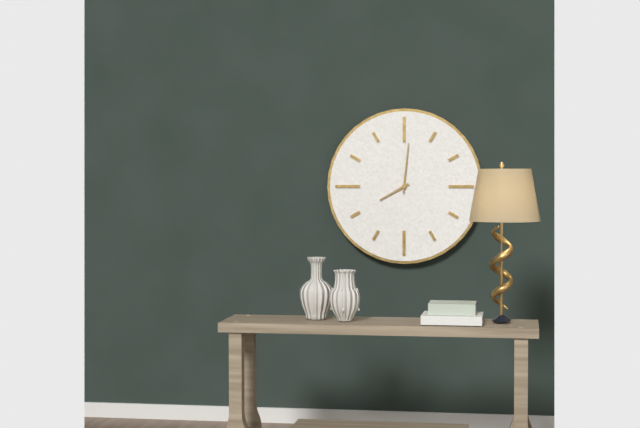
8:01
